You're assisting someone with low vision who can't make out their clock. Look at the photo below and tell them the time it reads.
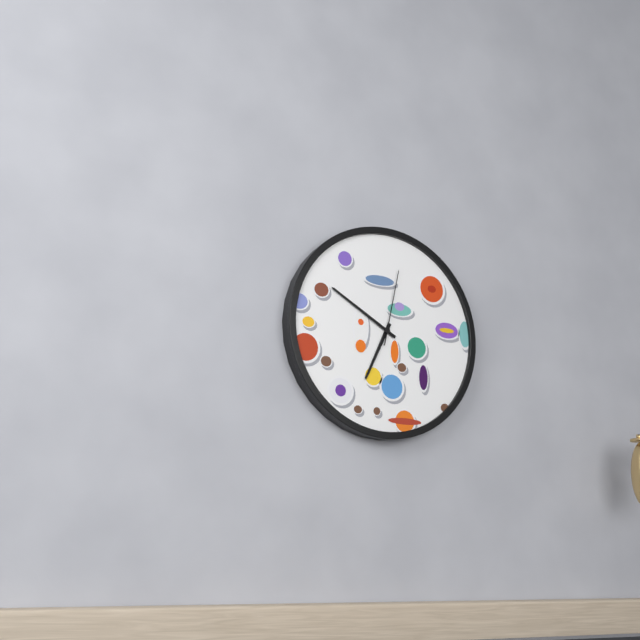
6:50:02
